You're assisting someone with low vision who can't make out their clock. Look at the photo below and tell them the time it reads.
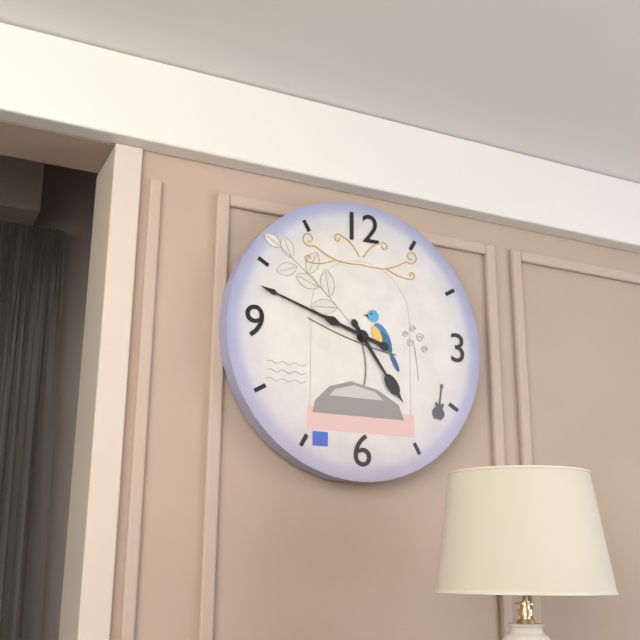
4:48
